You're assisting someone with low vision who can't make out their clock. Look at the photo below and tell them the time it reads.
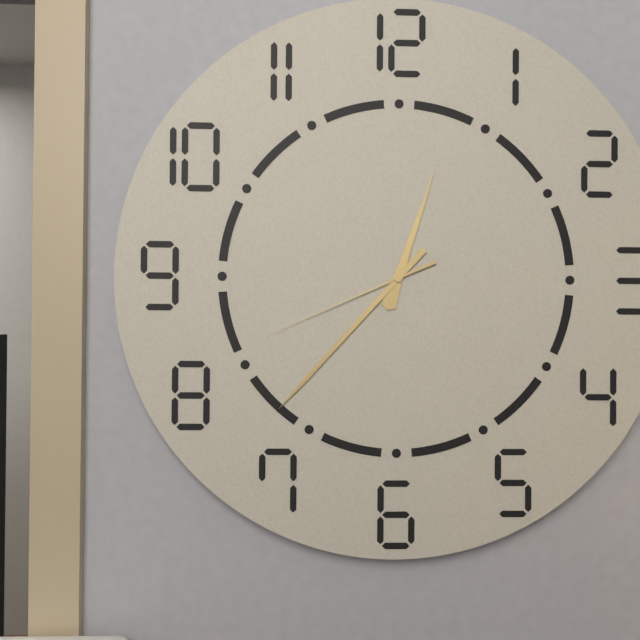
12:37:41
